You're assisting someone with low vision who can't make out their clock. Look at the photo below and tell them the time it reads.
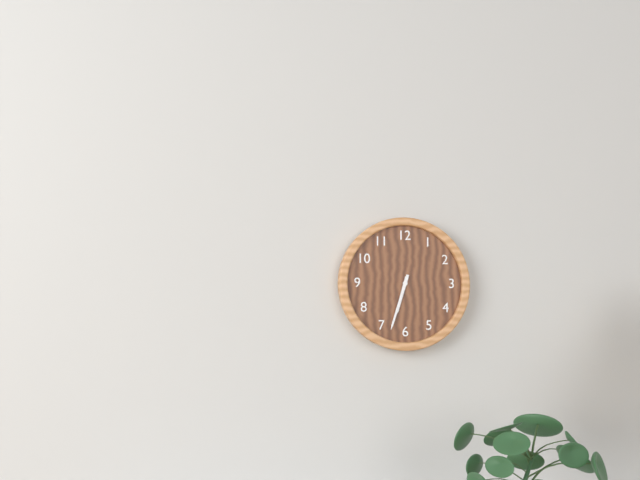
6:33
